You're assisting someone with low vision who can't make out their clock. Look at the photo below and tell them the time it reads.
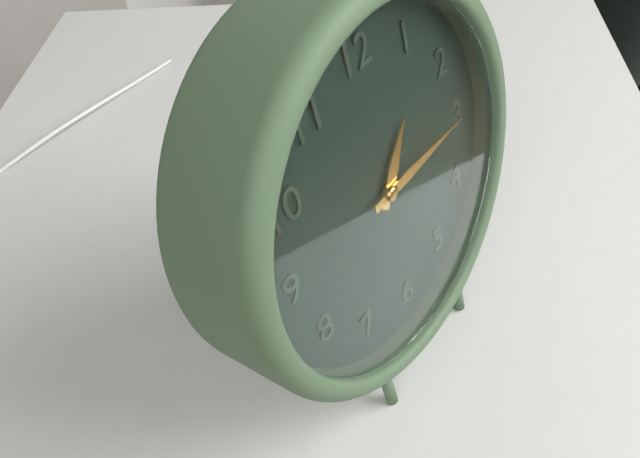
1:15
